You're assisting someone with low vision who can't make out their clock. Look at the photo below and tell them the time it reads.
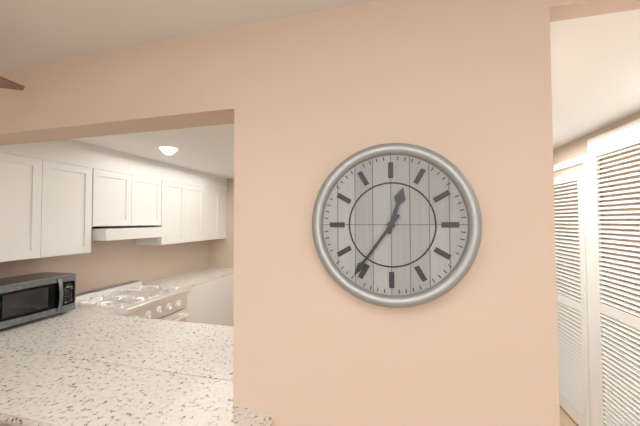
12:36
